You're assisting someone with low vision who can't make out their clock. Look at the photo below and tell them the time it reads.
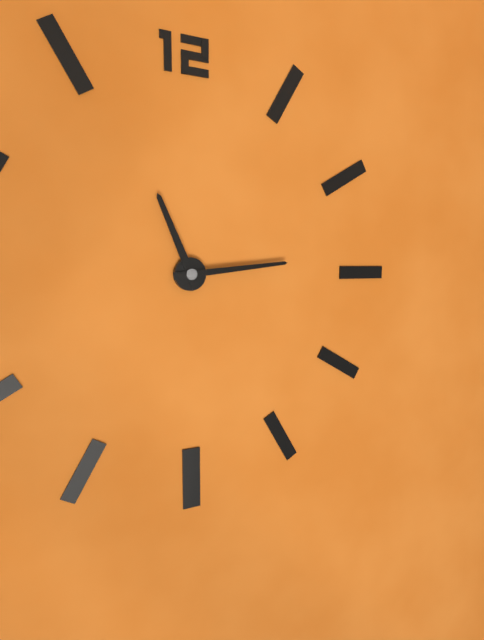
11:14
